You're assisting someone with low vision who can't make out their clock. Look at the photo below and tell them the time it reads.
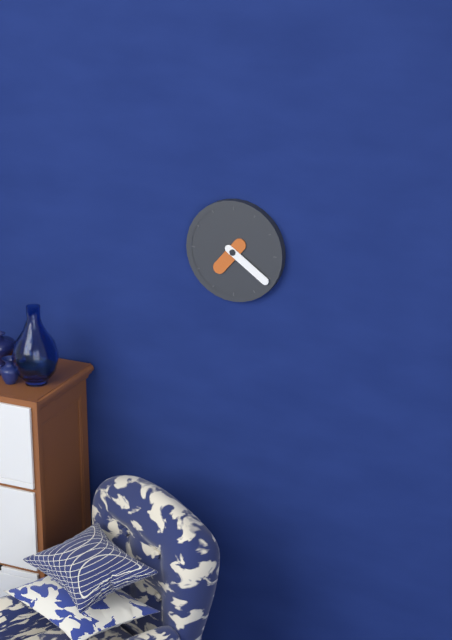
7:21
